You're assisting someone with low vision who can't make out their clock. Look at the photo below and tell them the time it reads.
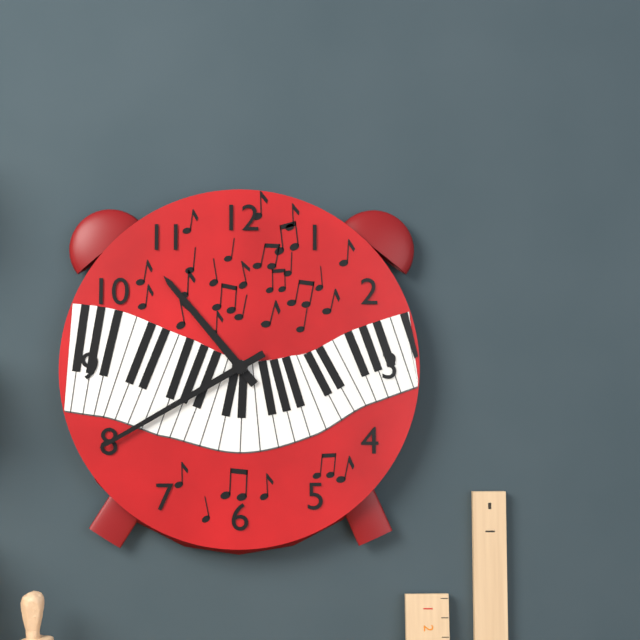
10:40
